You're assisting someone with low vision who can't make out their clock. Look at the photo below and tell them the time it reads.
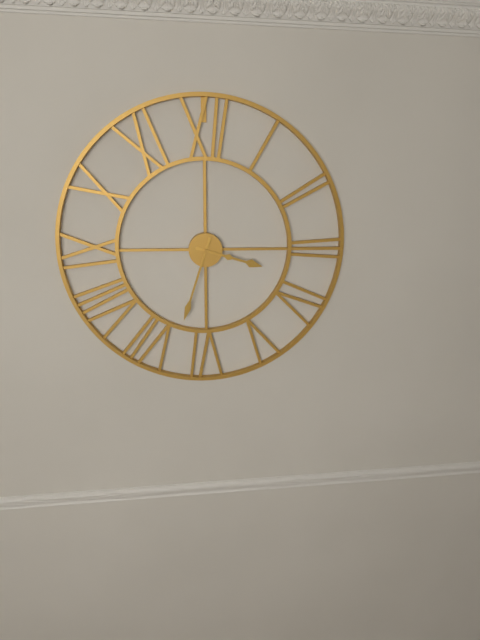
3:33
